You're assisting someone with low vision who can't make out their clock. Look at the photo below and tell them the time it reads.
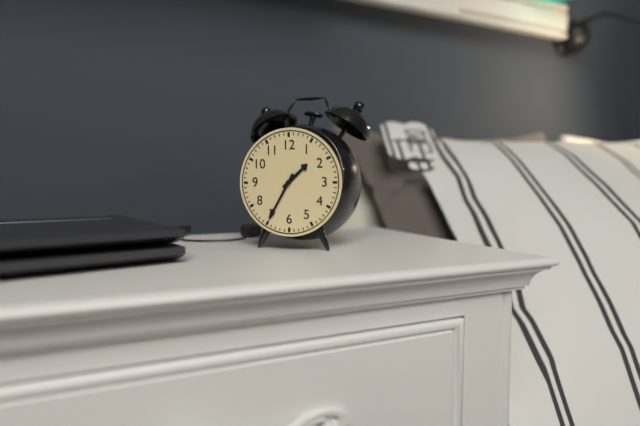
1:35
